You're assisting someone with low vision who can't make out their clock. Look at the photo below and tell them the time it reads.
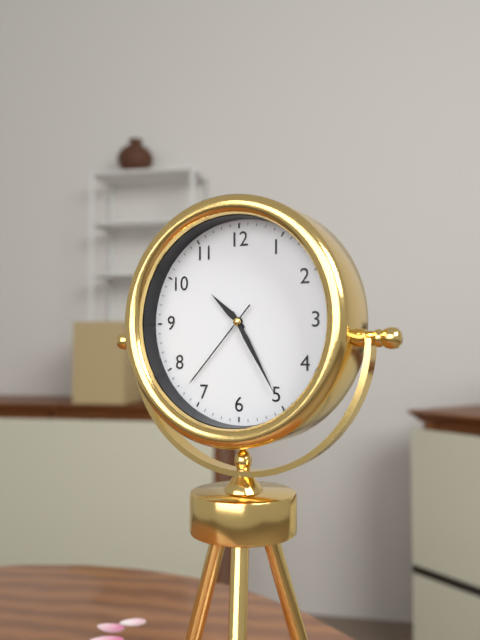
10:25:37
